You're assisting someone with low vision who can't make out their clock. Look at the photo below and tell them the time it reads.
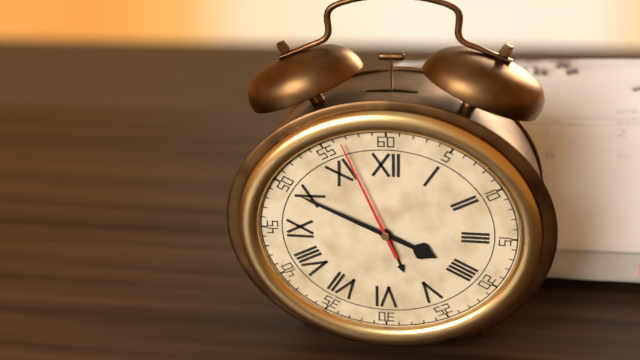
3:49:56
